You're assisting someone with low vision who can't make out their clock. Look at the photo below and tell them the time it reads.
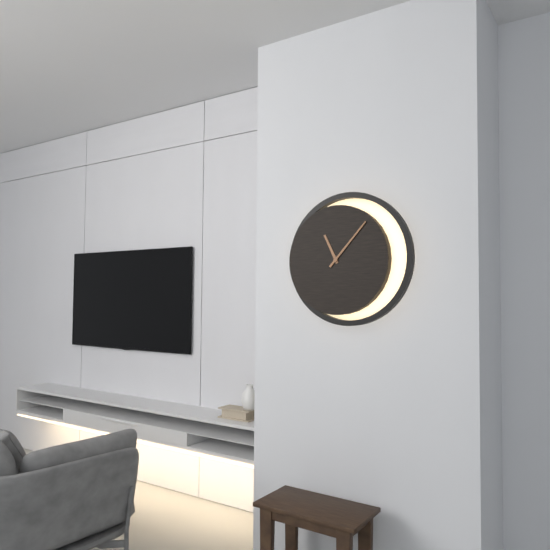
11:07
